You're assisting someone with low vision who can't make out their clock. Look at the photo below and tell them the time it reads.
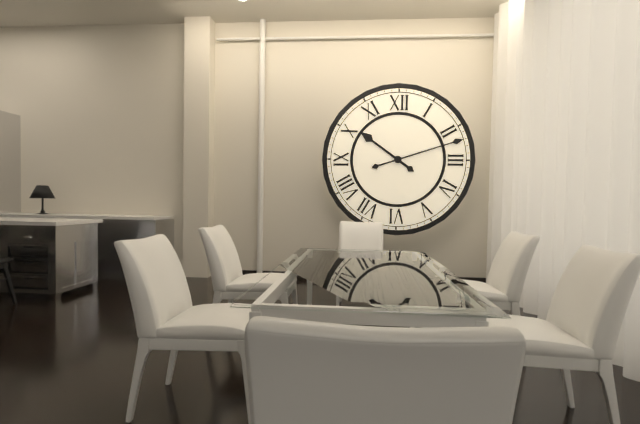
10:12
